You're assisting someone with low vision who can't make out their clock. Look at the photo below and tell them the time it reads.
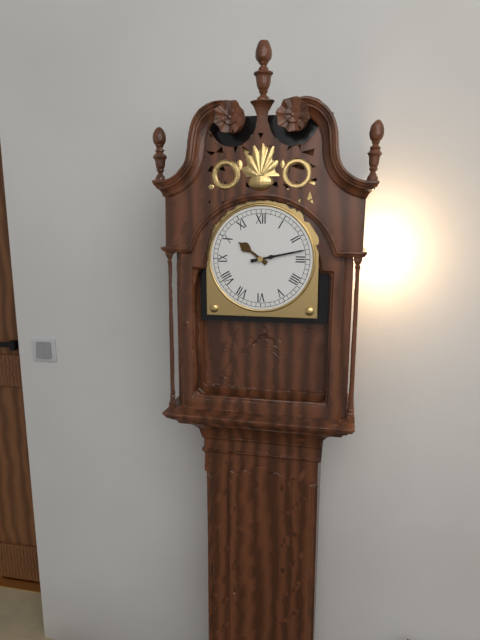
10:13
